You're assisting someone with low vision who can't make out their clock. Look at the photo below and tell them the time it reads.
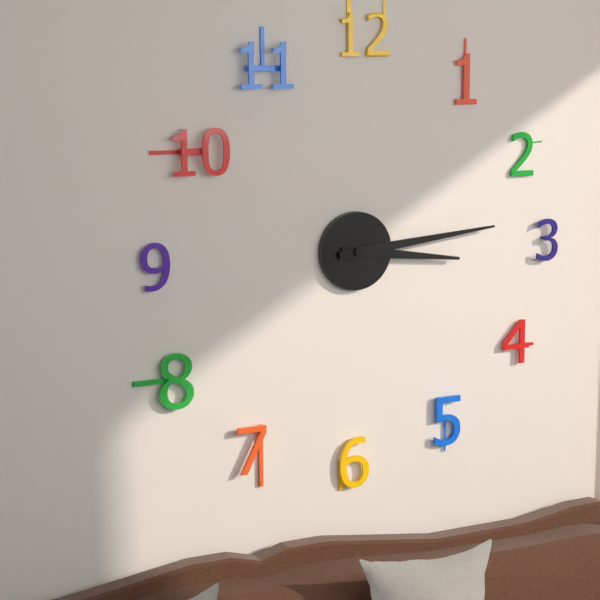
3:14
